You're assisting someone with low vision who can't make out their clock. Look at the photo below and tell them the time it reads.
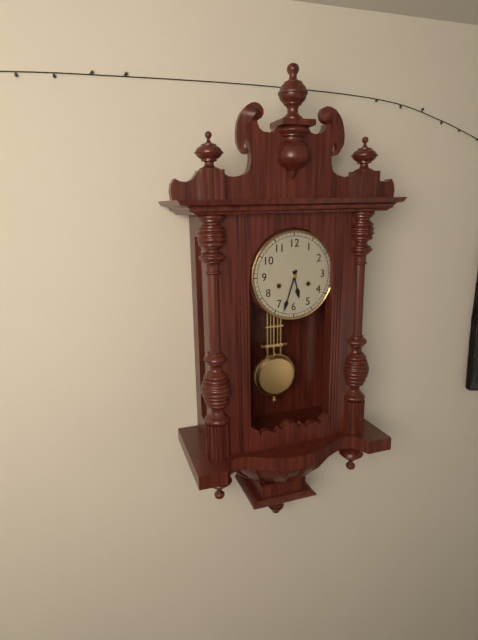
5:33
